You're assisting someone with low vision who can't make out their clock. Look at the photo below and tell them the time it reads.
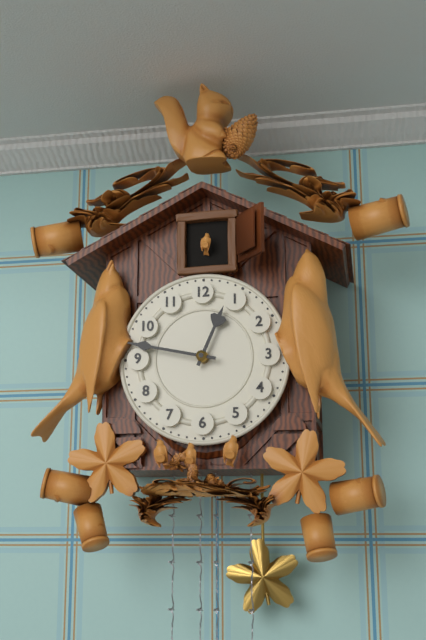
12:47
